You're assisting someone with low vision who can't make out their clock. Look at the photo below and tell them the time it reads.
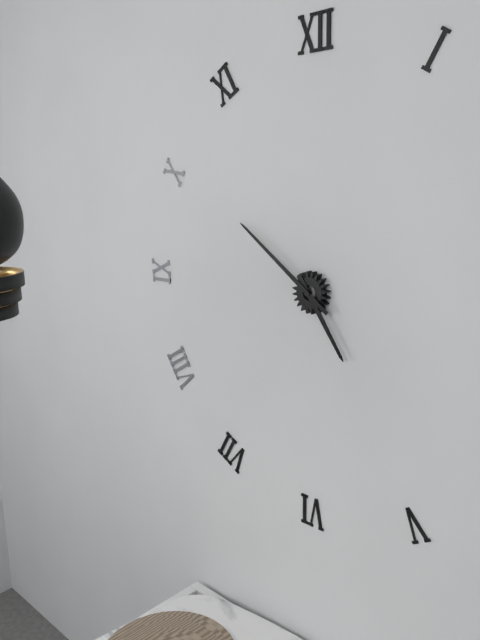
4:51
